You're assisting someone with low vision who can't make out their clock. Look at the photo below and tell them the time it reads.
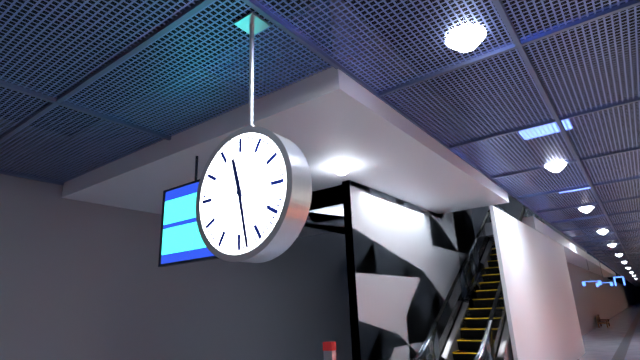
11:28
